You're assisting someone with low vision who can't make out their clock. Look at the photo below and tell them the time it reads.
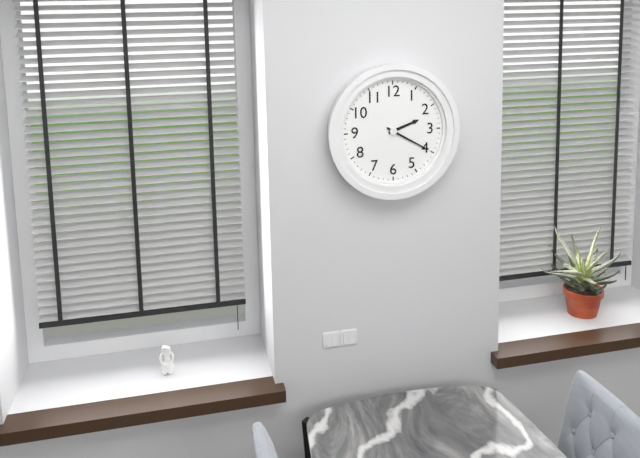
2:20
